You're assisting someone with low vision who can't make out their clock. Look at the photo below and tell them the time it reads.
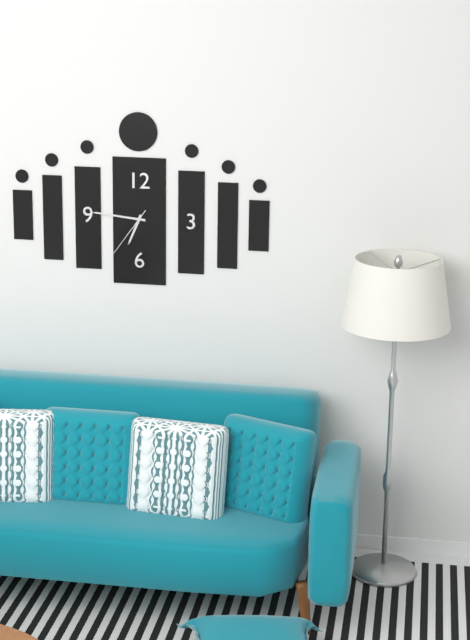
6:46:36
